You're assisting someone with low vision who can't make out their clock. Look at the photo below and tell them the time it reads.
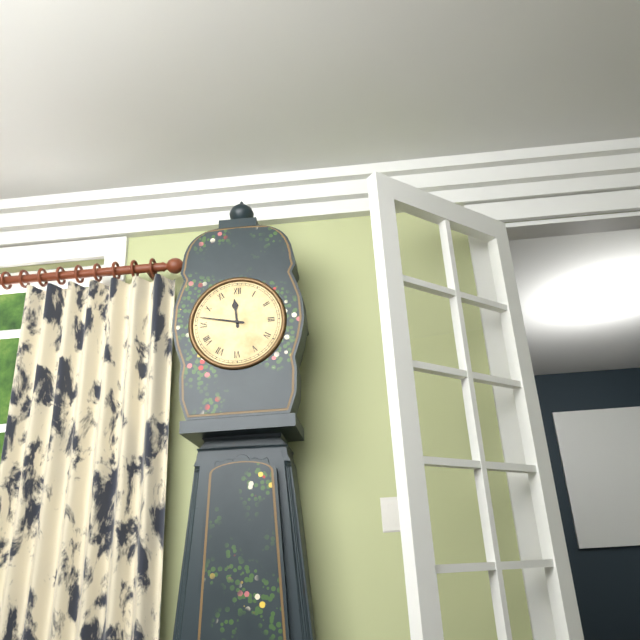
11:47
